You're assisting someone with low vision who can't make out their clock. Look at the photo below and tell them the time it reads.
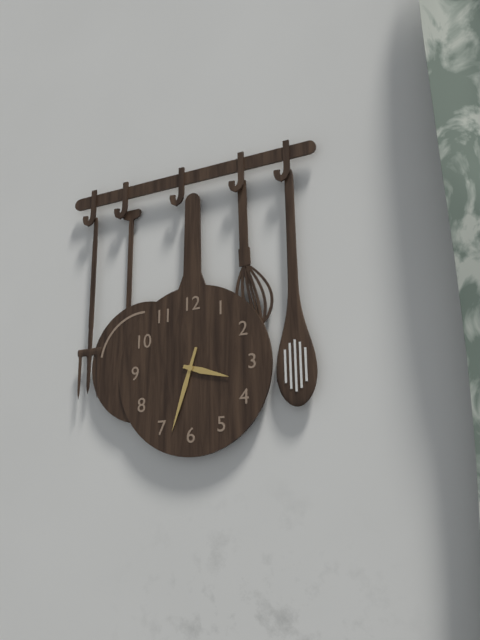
3:33
